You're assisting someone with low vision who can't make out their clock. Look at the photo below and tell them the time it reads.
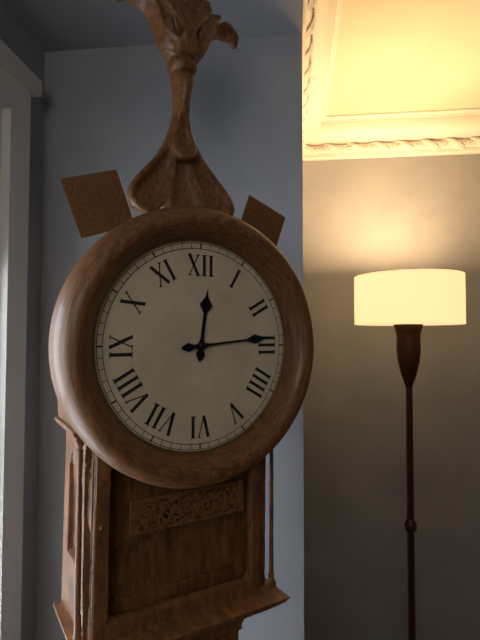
12:14
